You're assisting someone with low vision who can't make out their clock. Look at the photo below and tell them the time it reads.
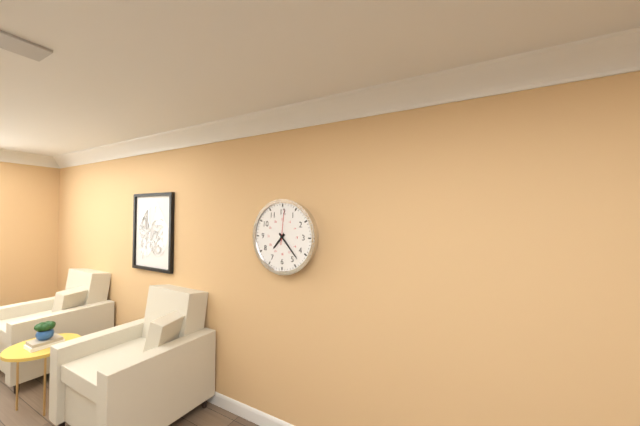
7:23
